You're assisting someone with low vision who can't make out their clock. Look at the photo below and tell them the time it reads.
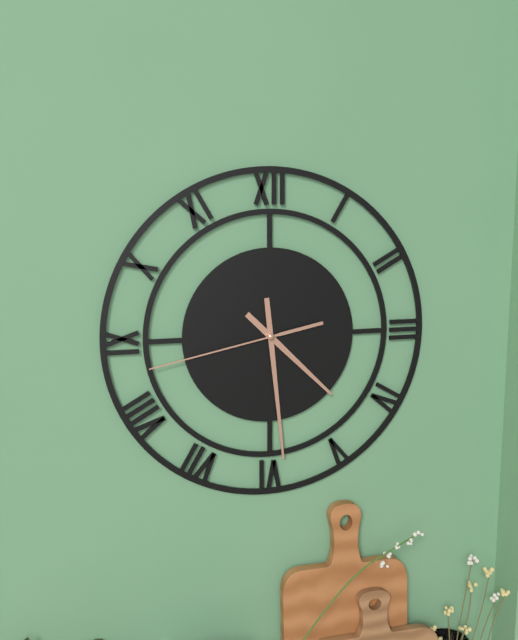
4:29:43
